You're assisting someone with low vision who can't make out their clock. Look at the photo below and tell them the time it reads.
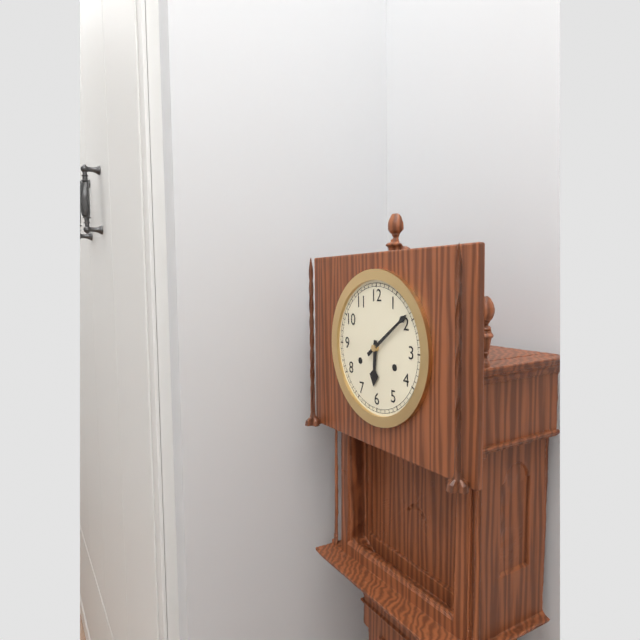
6:09
